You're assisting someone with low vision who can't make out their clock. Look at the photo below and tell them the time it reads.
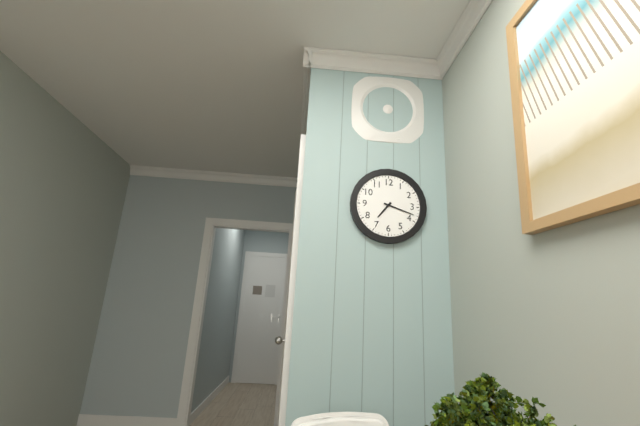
7:18
